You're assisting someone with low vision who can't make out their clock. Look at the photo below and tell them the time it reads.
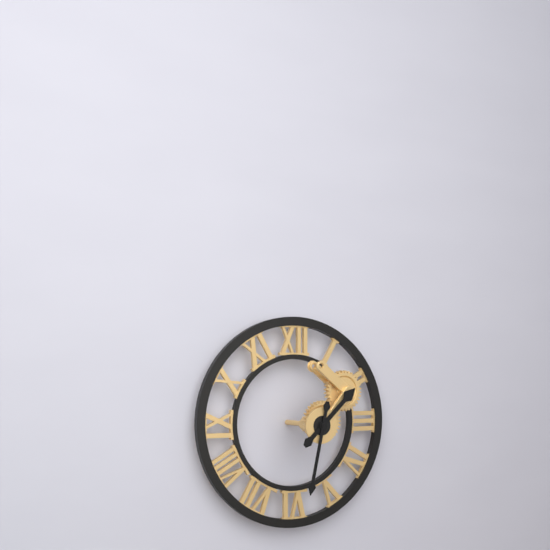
1:32
